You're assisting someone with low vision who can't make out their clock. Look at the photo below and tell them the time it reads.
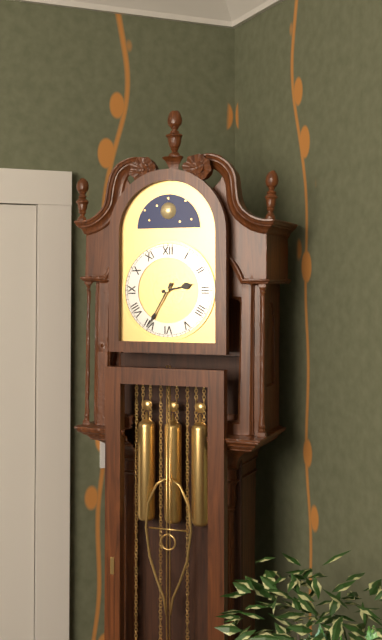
2:35
